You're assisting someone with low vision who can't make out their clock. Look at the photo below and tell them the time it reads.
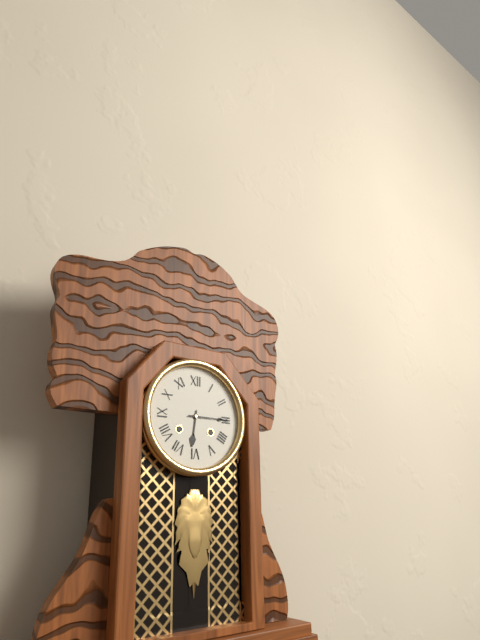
6:15
